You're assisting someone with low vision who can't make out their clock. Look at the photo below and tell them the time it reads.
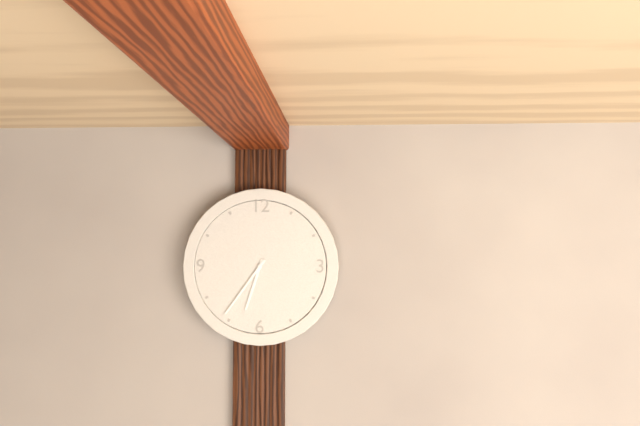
6:36
